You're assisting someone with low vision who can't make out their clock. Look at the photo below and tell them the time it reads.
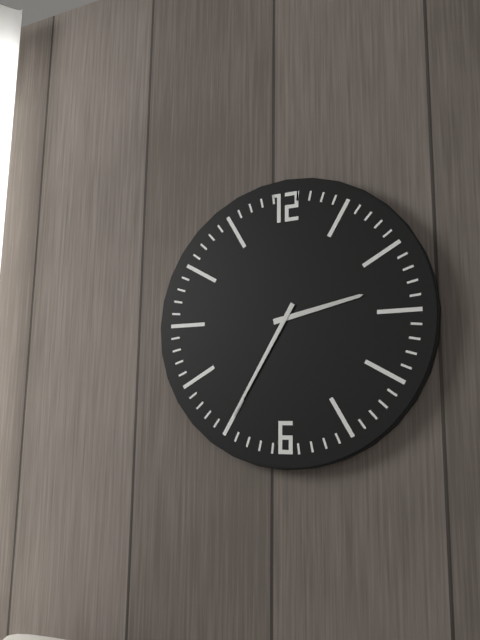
2:35
